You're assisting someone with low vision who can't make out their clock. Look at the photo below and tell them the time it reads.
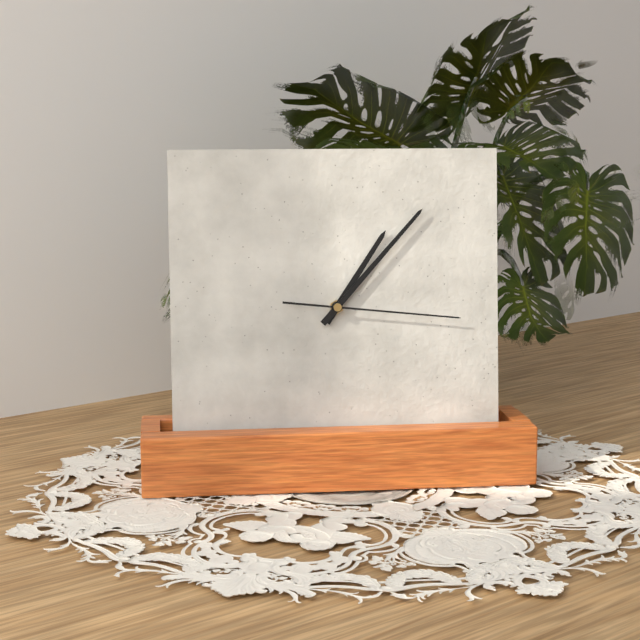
1:07:16
